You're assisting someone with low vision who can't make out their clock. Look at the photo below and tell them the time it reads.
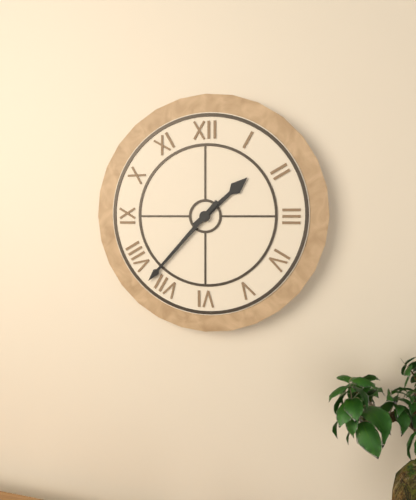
1:37
